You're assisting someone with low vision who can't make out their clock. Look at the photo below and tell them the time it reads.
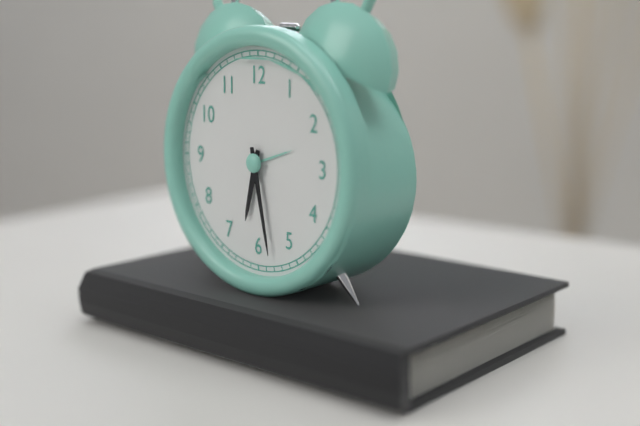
6:28
